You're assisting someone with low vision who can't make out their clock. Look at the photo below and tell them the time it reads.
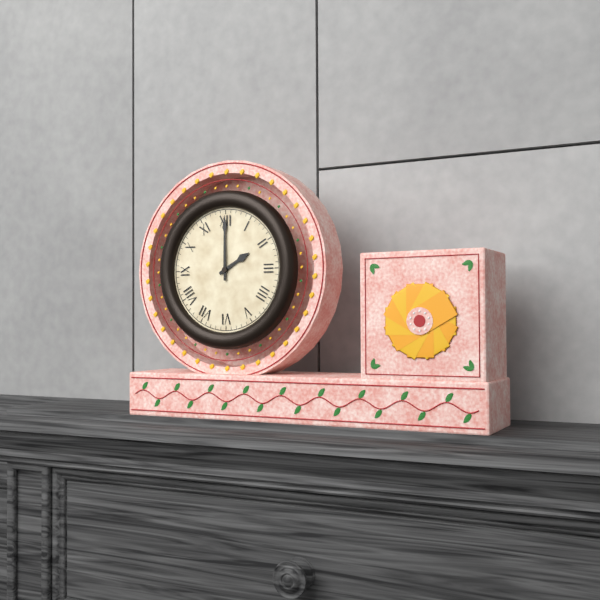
2:00
